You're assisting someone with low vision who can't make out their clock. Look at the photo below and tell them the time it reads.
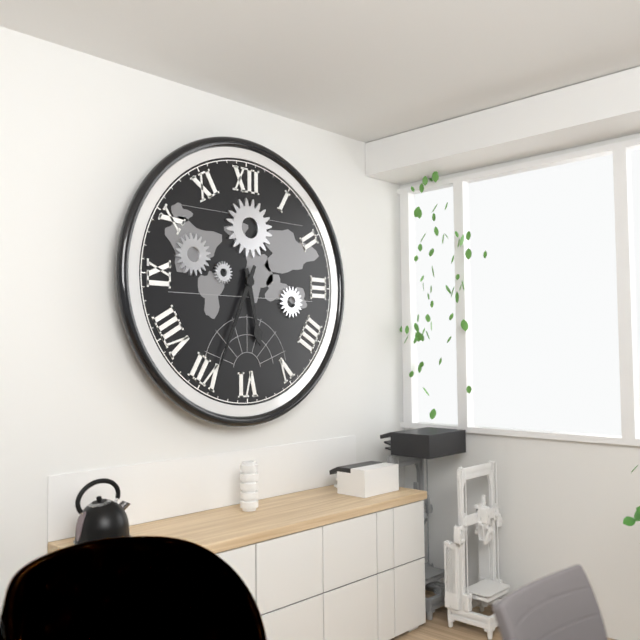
5:34
